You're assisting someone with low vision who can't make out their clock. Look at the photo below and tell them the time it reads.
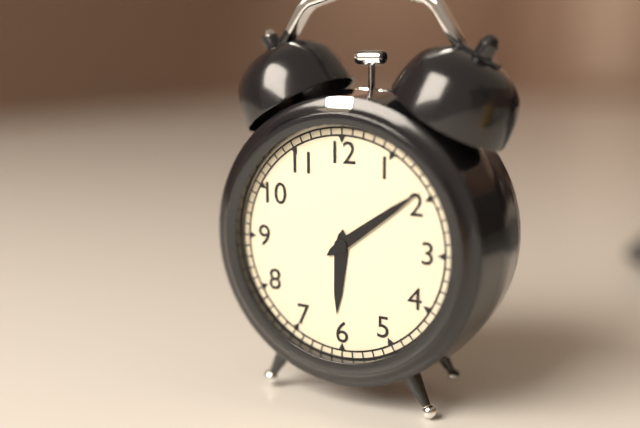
6:09
